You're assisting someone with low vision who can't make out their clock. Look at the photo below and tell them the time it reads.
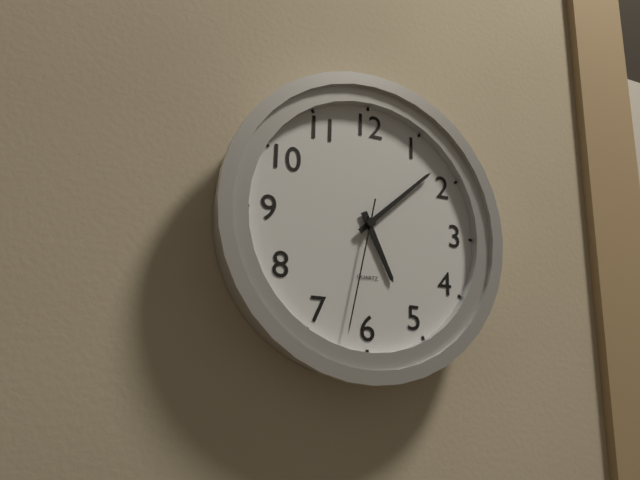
5:08:32
